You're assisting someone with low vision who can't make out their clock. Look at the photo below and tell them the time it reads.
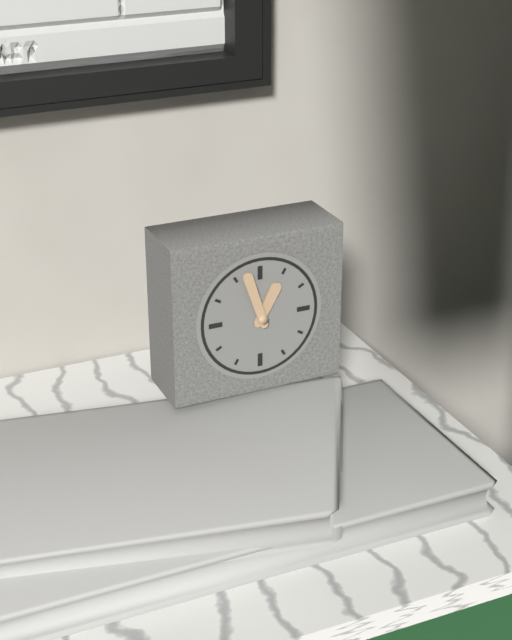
12:57
